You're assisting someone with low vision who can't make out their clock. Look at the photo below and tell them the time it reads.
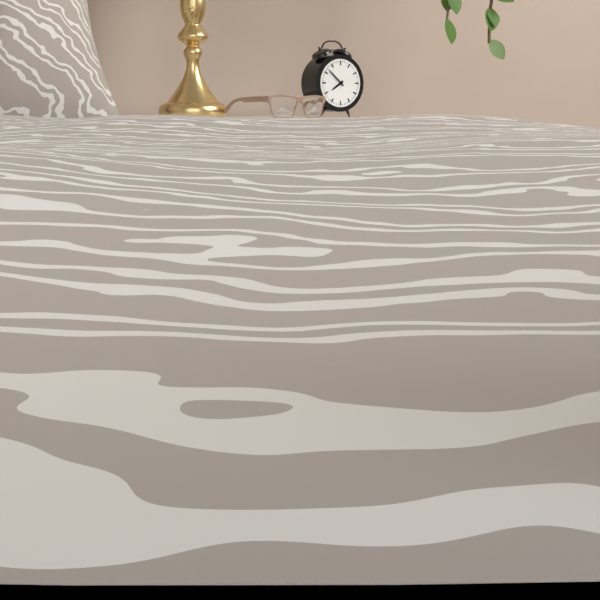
7:52
